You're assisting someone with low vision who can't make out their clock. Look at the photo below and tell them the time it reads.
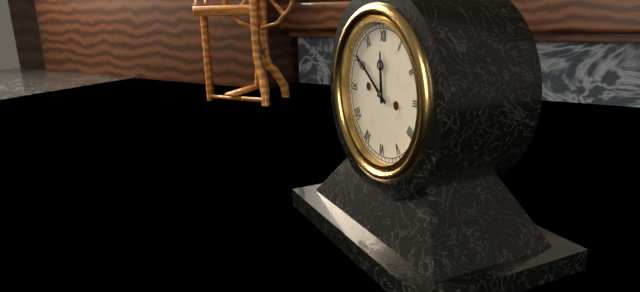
11:51
